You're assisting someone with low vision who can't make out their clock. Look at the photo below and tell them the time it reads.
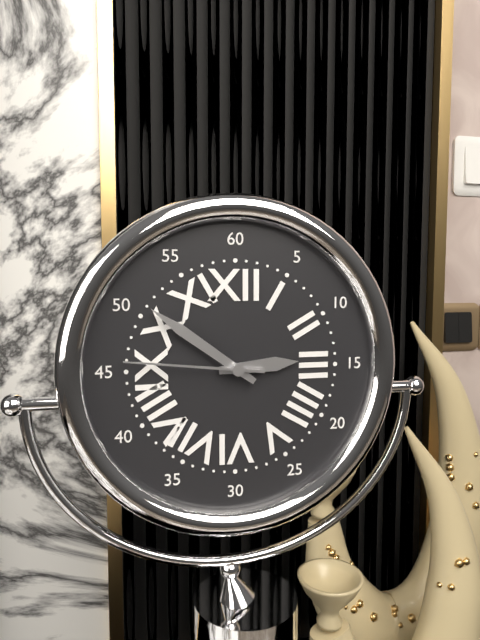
2:51:46
